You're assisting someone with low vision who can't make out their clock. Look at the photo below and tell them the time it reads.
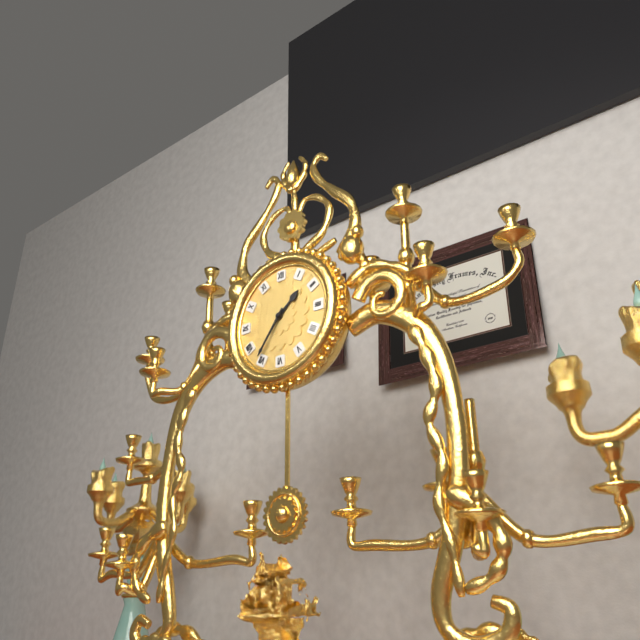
1:36
